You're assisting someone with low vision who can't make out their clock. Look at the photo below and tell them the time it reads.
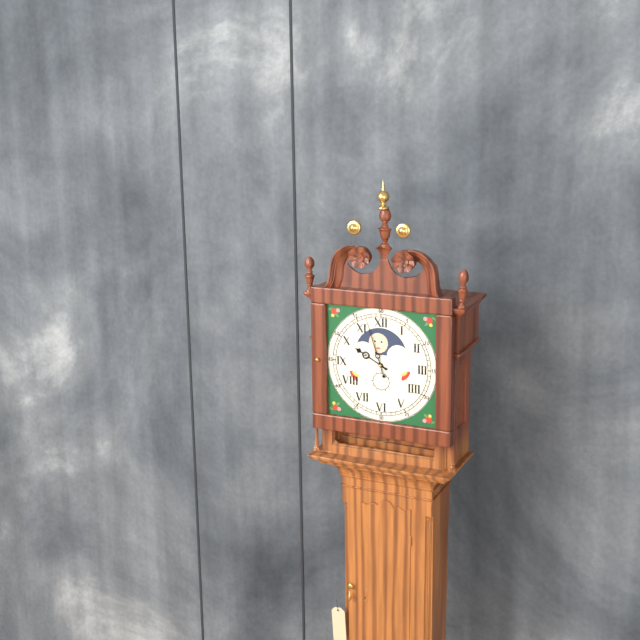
9:57
